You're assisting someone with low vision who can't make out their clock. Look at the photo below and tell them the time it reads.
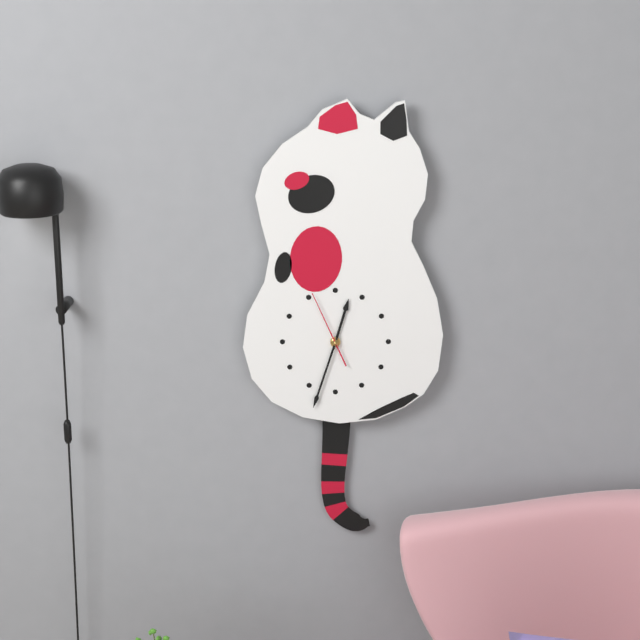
12:33:56
